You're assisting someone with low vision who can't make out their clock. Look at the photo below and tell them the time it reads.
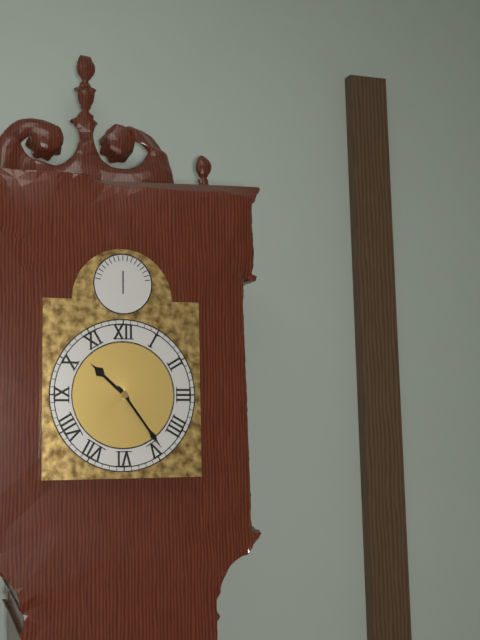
10:24
